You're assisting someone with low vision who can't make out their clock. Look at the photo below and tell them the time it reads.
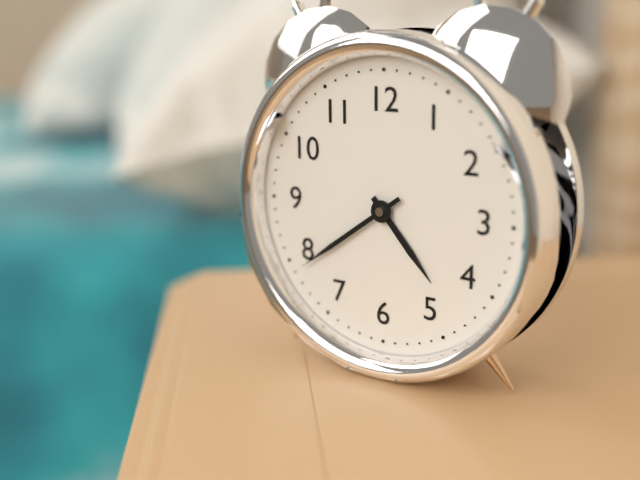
4:39
